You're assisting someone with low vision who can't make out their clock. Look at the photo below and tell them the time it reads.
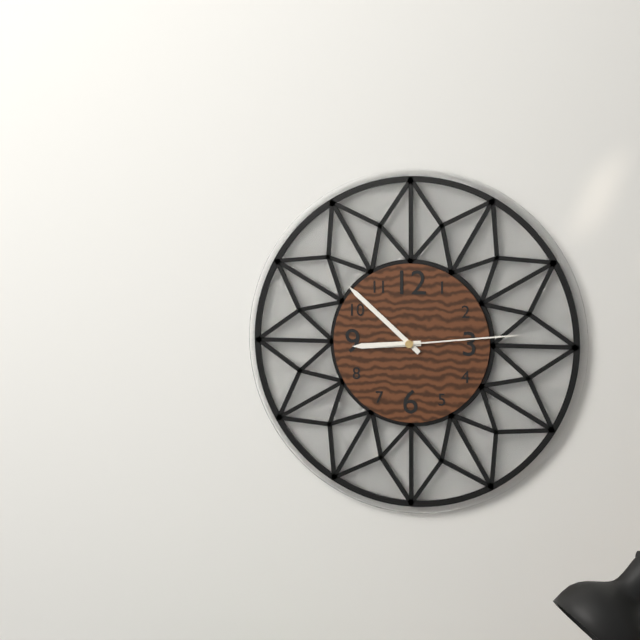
8:52:14
